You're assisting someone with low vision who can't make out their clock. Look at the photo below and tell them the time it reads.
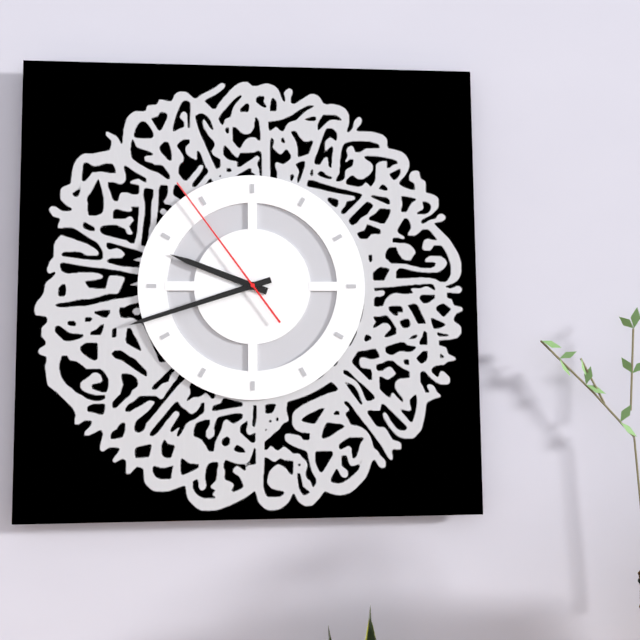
9:42:54
